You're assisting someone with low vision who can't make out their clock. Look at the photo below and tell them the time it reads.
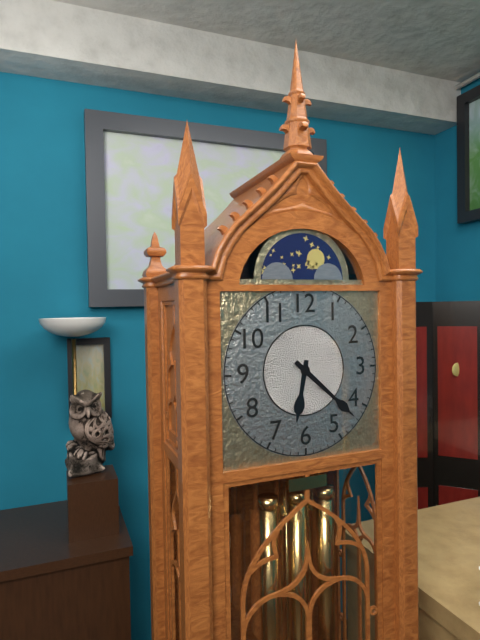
6:22
